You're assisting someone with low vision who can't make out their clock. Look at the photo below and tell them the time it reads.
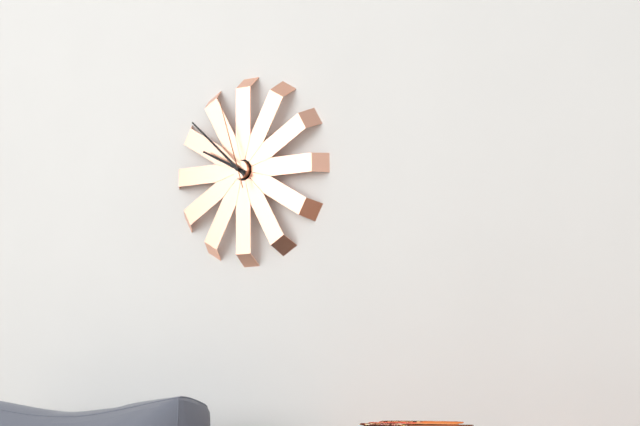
9:52:57
